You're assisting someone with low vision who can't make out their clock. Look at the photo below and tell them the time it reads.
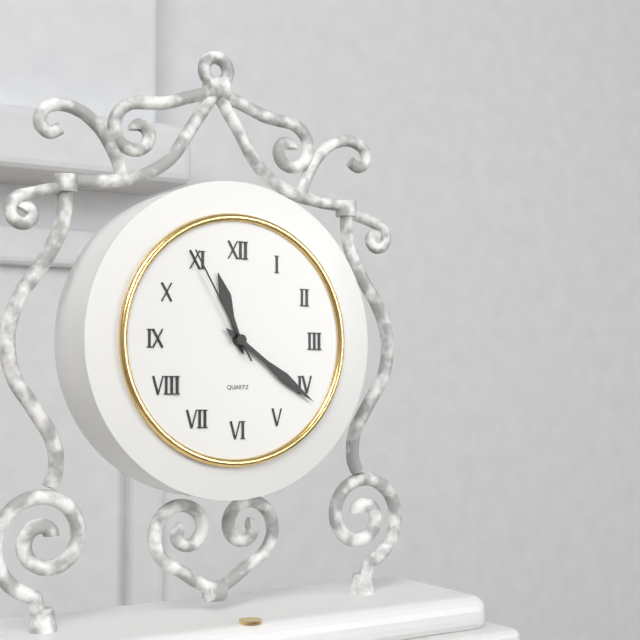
11:21:55
